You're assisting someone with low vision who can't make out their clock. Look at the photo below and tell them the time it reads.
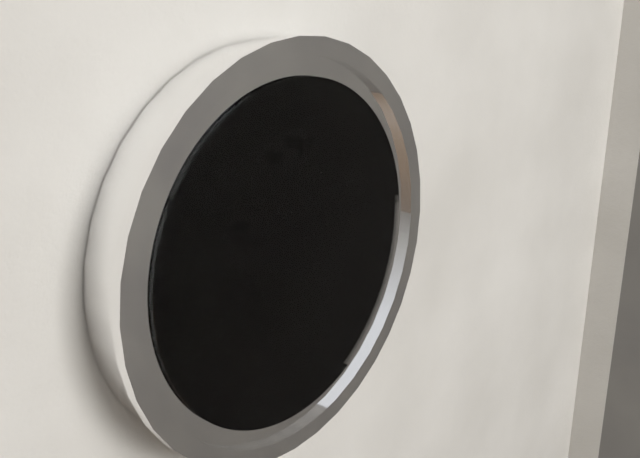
11:29
